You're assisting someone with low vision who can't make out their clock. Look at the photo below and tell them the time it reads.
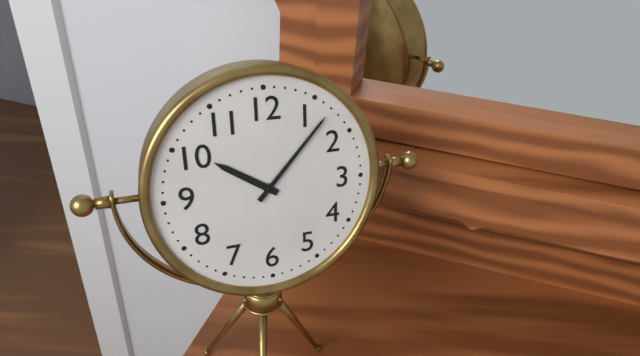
10:07
